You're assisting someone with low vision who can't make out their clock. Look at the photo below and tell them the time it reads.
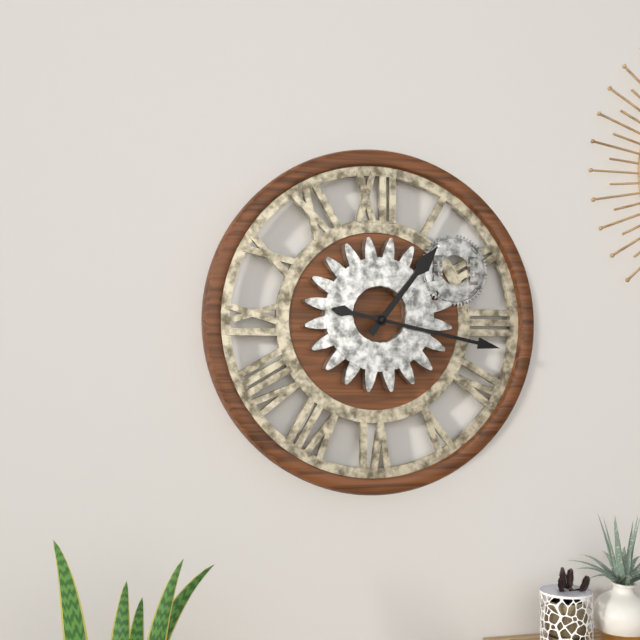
1:17
